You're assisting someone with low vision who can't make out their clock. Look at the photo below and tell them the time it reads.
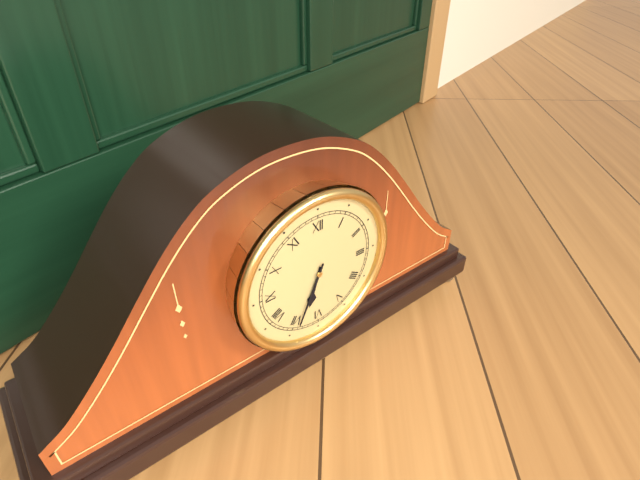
6:34
